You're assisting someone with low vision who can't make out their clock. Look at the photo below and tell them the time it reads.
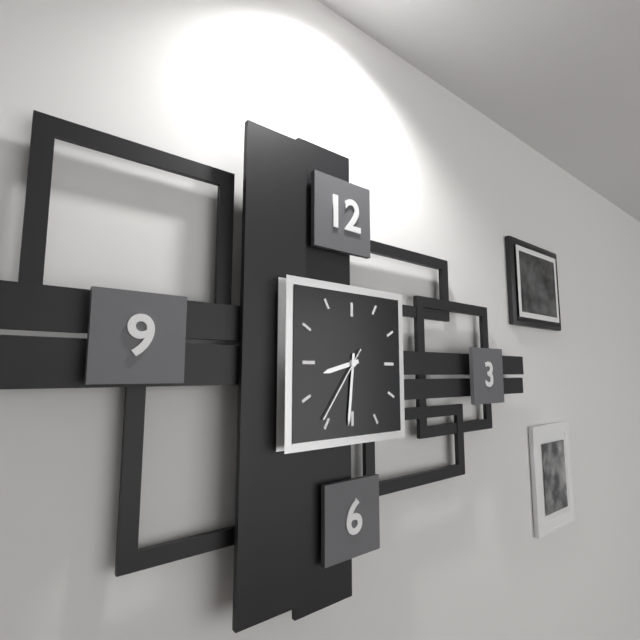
8:31:36
